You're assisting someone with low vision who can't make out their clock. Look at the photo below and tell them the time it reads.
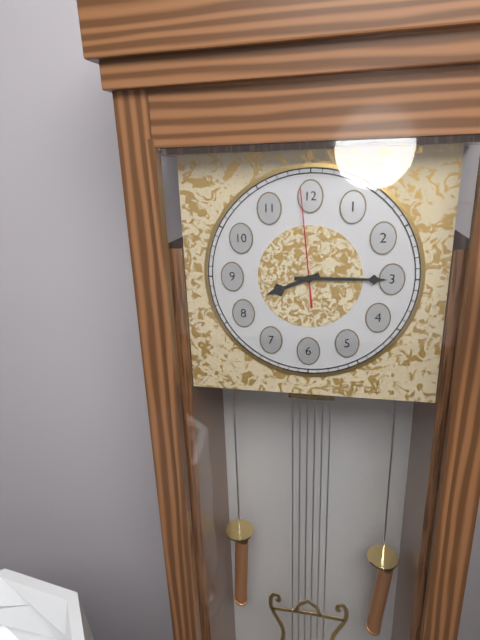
8:15:59
